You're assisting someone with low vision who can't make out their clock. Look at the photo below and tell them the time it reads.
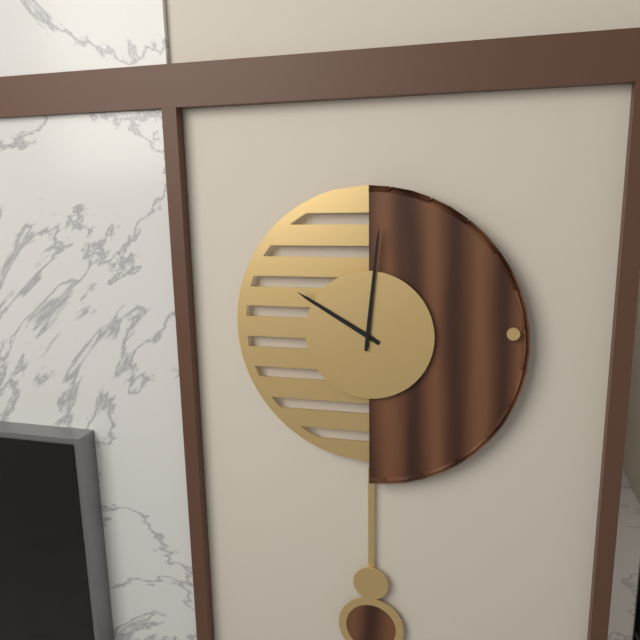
10:01
